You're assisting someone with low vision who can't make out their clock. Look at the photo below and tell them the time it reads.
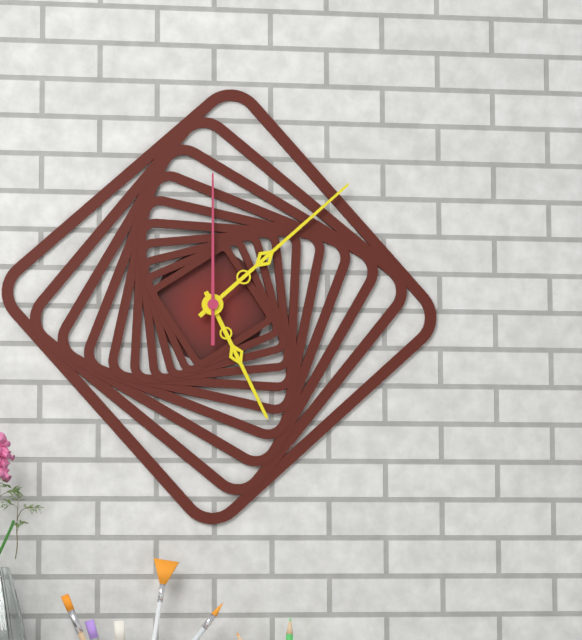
5:08:00
